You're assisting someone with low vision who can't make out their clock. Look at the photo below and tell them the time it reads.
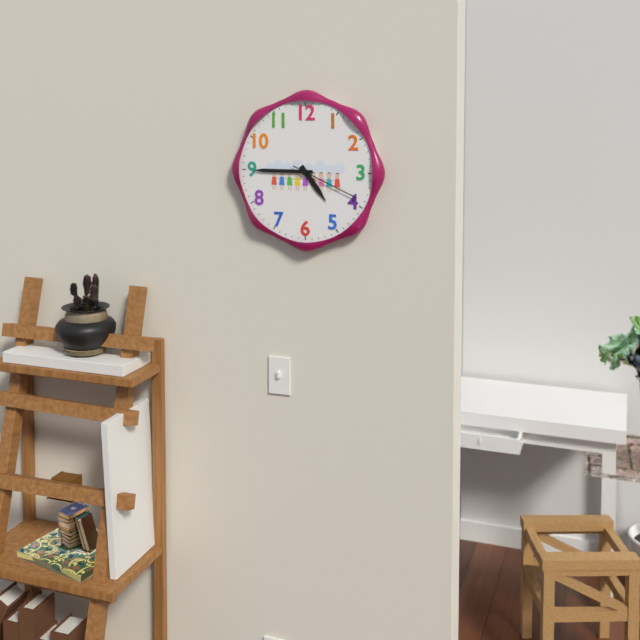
4:45:19
